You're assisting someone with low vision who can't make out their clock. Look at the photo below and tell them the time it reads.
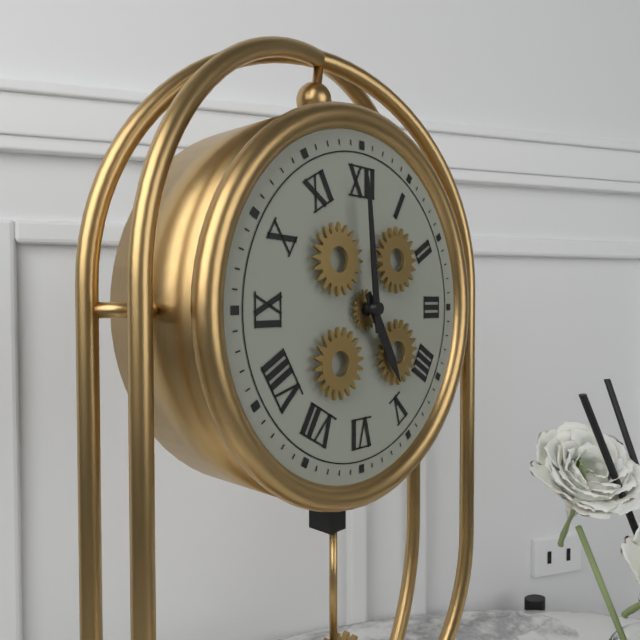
4:59
